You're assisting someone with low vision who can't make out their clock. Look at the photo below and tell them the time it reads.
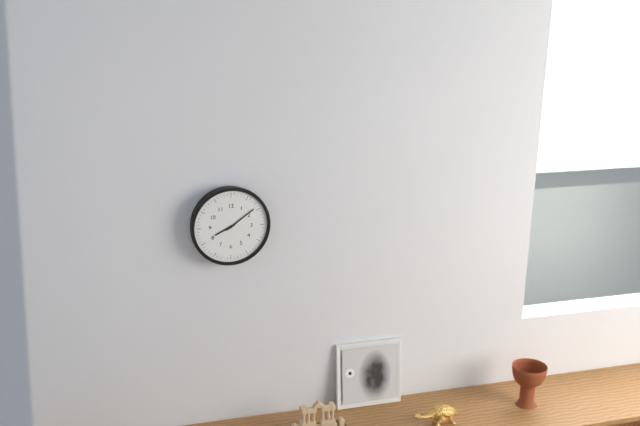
8:09
